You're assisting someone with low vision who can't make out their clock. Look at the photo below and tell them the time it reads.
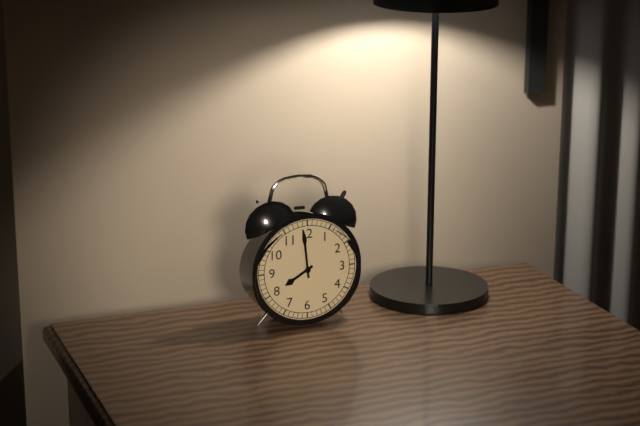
7:59
